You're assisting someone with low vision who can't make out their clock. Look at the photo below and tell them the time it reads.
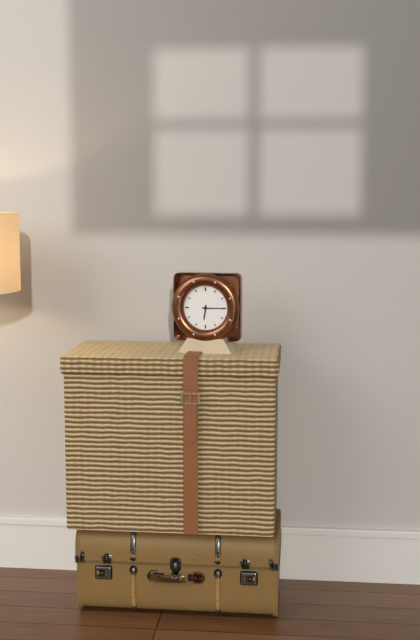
6:15
